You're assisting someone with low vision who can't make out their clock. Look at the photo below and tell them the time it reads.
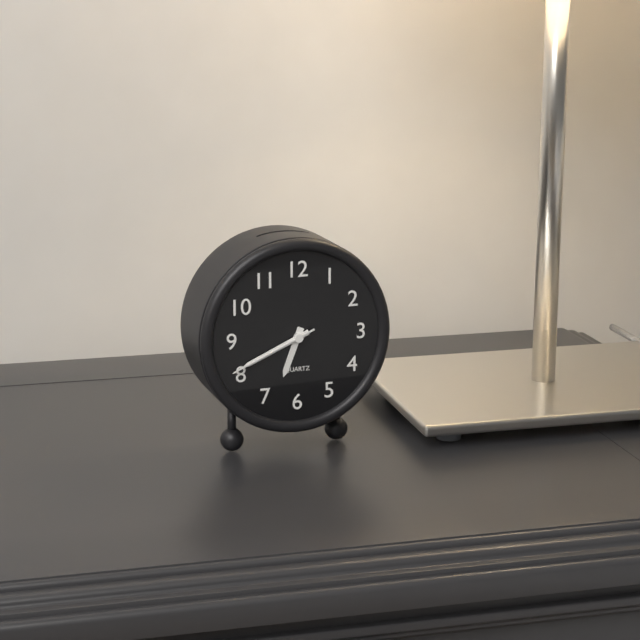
6:41:41
